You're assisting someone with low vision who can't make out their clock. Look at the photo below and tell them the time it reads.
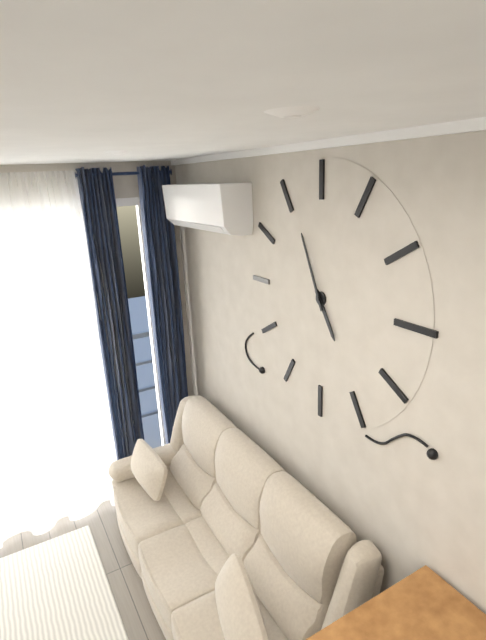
4:56
